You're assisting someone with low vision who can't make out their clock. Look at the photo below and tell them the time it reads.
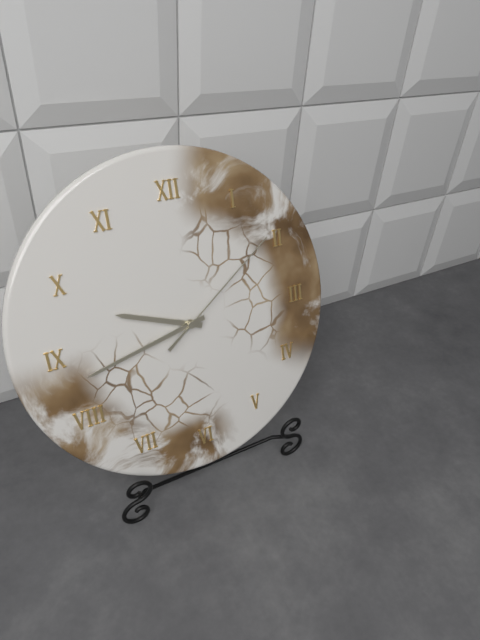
9:43:09
